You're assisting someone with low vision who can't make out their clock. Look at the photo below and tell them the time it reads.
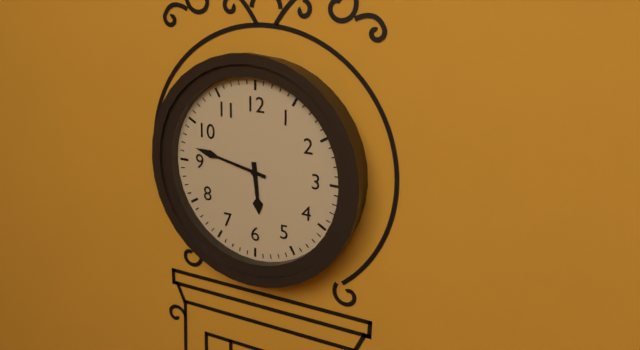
5:47
